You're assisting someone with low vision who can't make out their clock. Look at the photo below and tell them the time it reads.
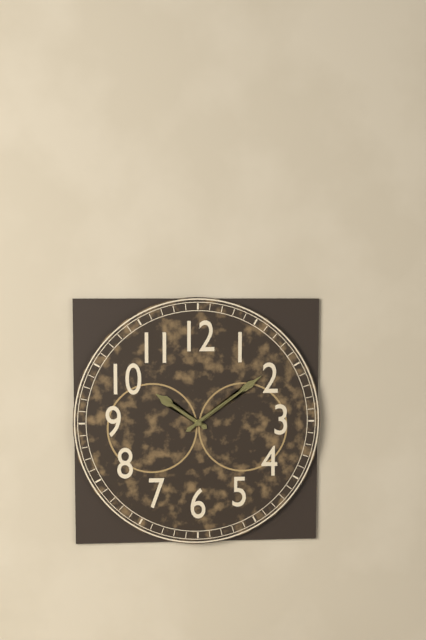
10:09
